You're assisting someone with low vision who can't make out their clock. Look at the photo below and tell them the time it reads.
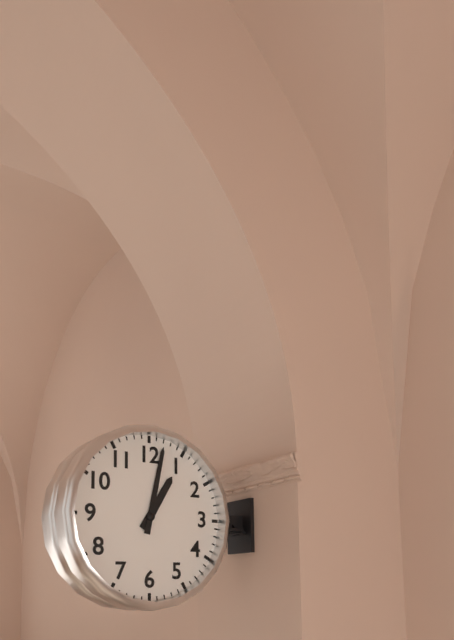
1:02
